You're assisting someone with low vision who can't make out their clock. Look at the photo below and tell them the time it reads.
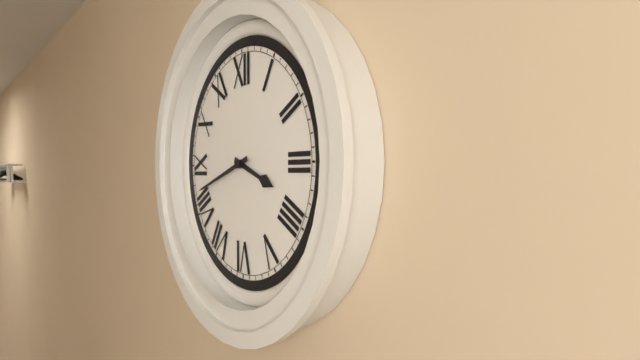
3:42
